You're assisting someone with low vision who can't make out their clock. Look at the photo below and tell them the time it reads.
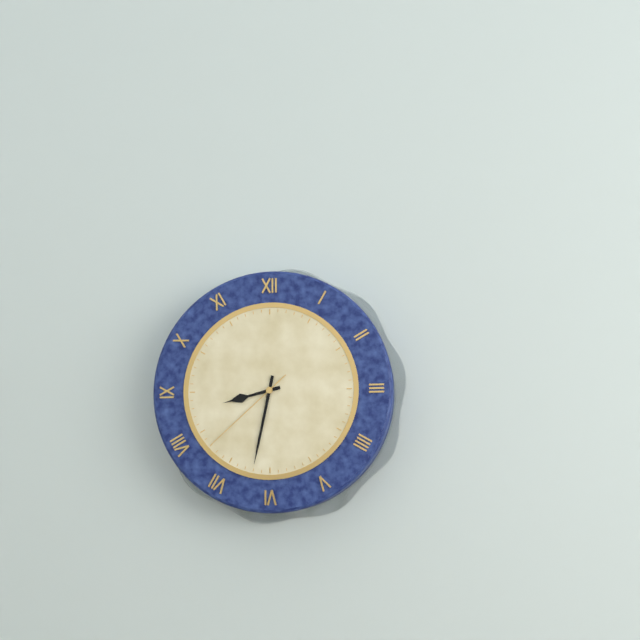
8:32:38
